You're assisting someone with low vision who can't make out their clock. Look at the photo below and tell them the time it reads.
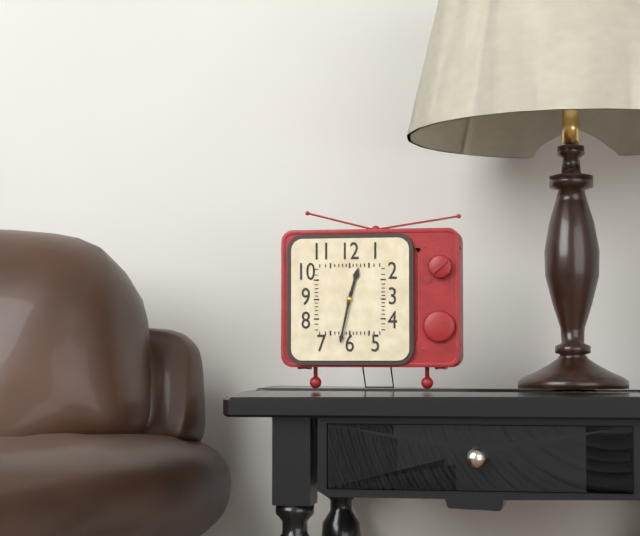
12:32
